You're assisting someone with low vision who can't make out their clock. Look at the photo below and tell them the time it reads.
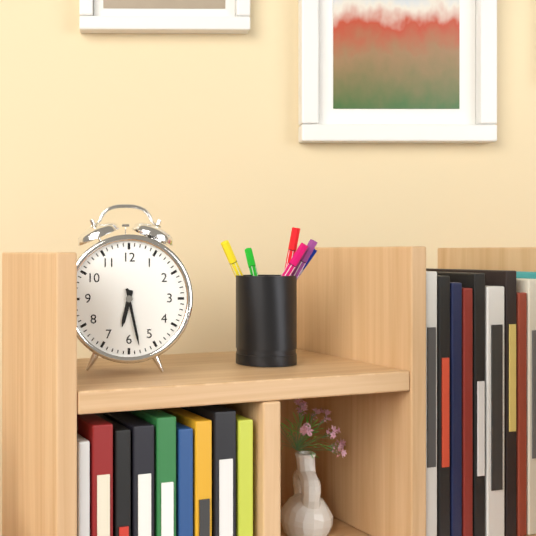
6:28
